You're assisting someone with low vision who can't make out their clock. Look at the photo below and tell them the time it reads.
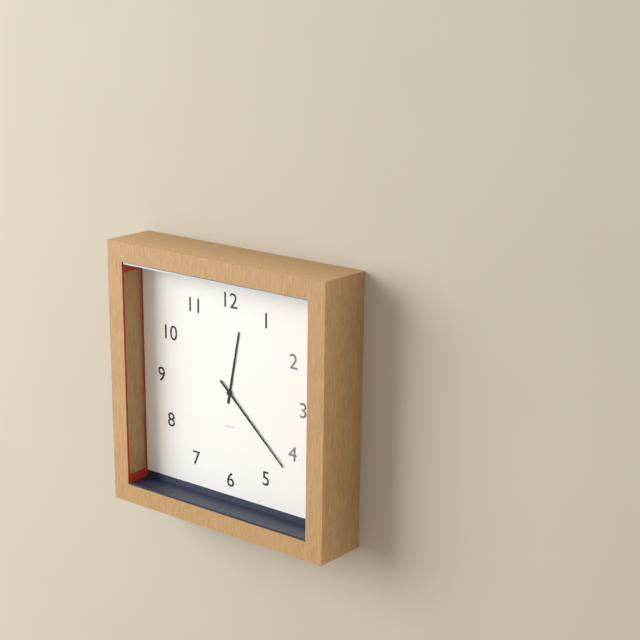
12:22
